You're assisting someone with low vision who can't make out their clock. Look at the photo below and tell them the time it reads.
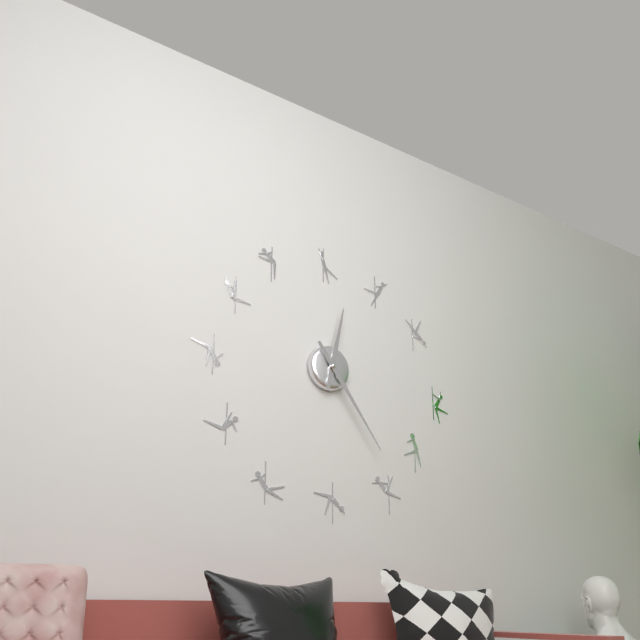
12:24
